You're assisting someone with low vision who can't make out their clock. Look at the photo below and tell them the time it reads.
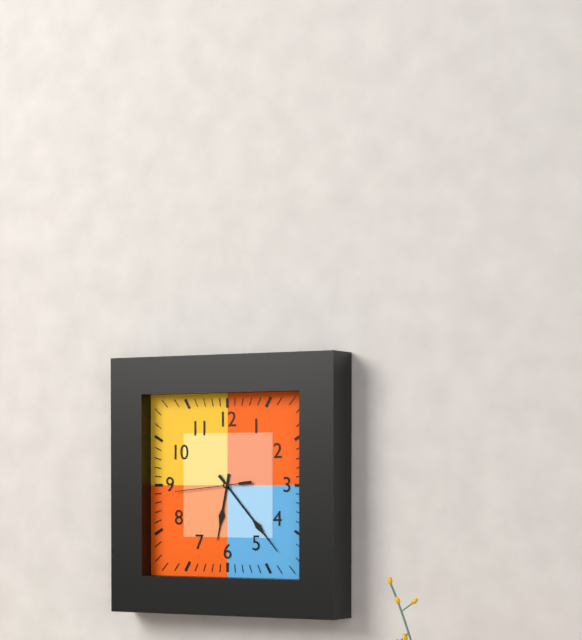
6:23:44
